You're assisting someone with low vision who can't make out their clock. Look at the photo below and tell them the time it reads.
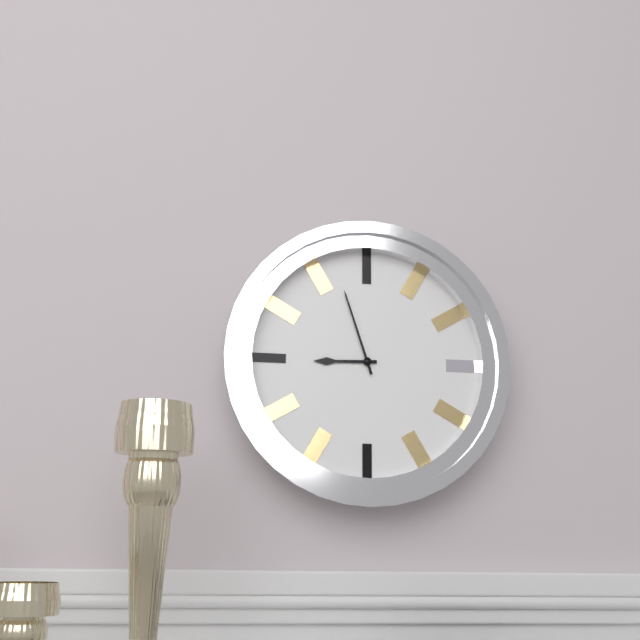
8:57
